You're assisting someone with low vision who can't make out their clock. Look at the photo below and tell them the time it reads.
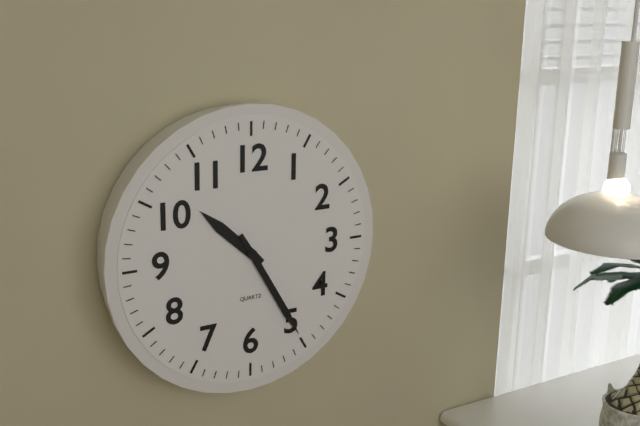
10:25
